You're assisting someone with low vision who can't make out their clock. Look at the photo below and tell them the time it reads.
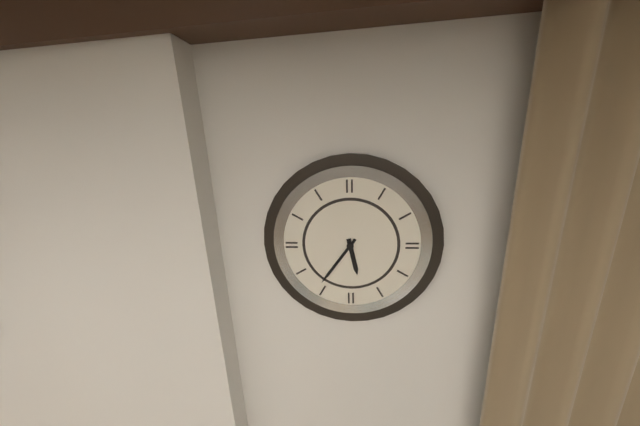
5:36
